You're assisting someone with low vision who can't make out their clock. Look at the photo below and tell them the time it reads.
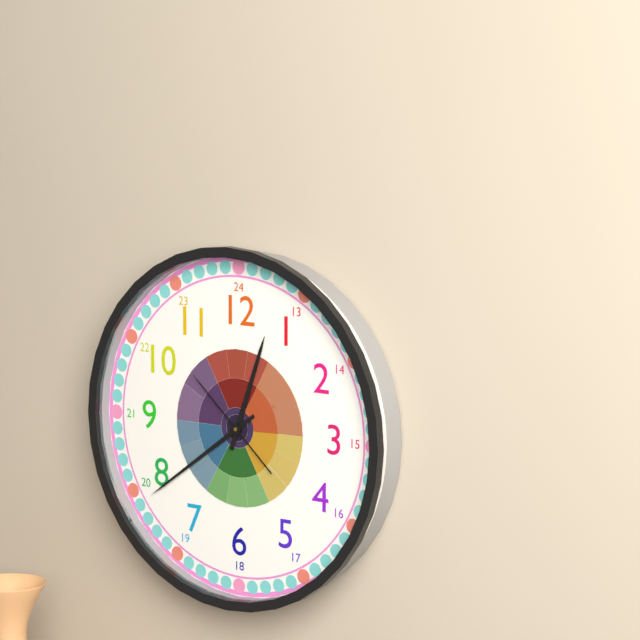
12:39:52
